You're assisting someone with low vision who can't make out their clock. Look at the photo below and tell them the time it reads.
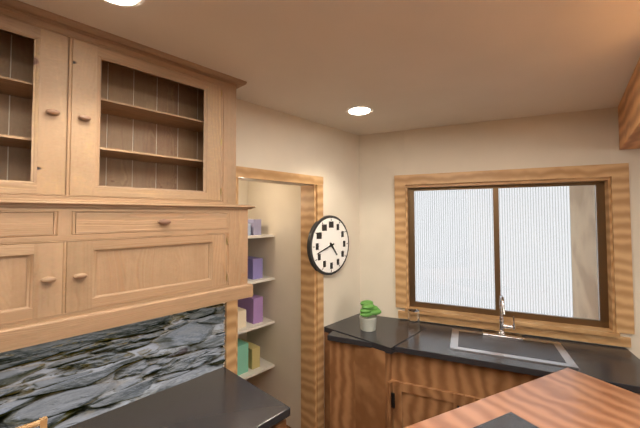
4:42
